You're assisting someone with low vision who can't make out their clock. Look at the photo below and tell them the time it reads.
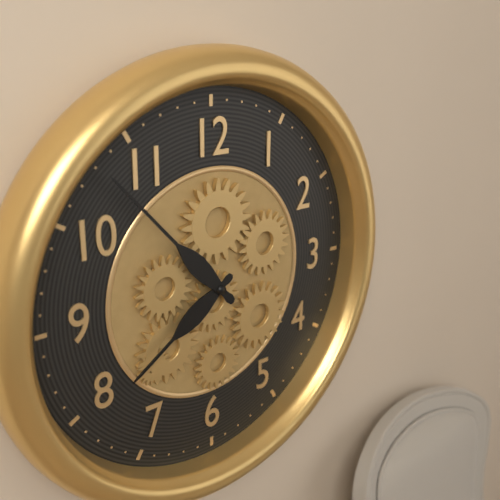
7:53
